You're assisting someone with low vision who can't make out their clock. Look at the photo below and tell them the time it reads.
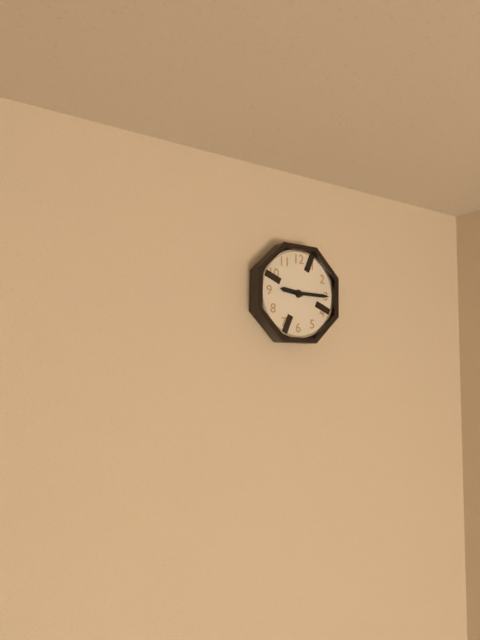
9:15
